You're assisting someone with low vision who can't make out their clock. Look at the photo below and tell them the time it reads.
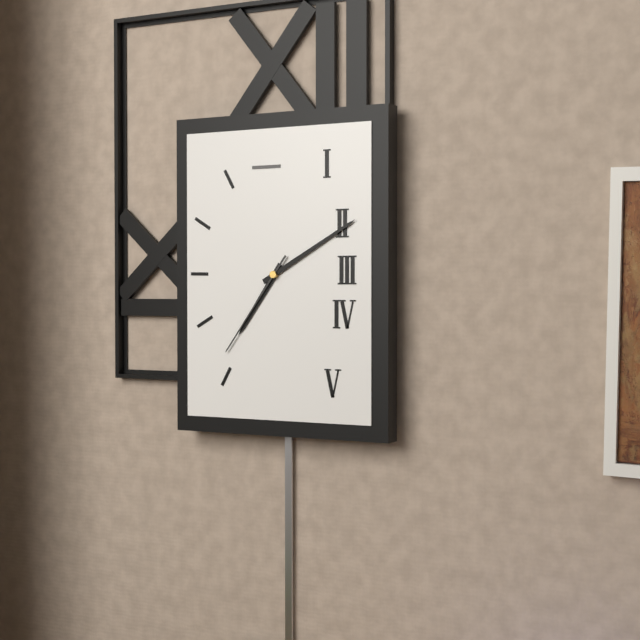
7:10:36
